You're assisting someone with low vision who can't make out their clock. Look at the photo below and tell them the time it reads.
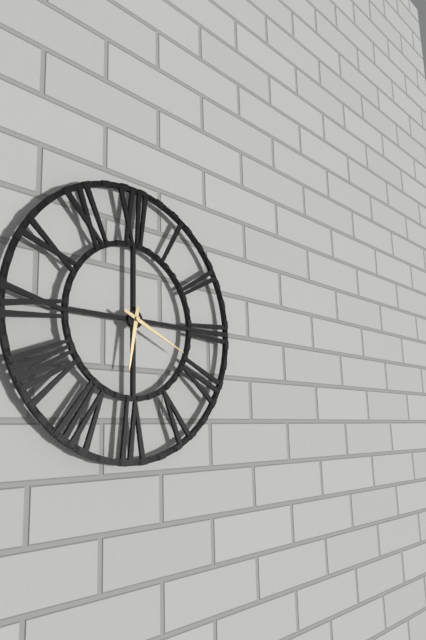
6:19
